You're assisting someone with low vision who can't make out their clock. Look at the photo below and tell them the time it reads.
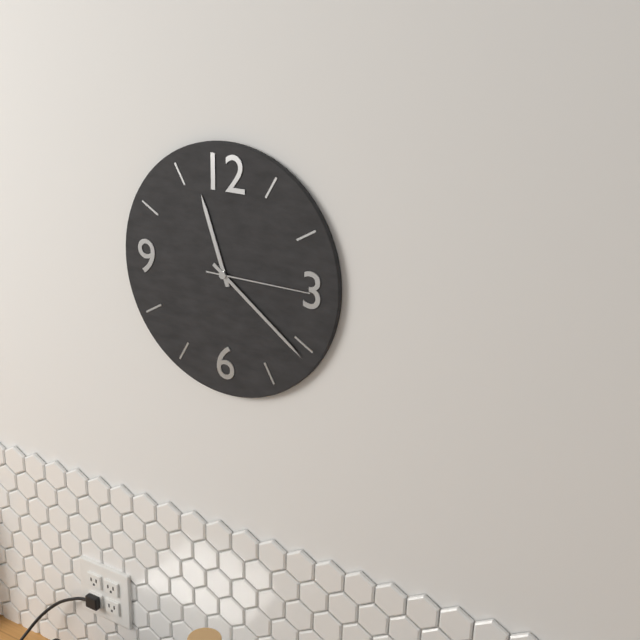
11:21:15
